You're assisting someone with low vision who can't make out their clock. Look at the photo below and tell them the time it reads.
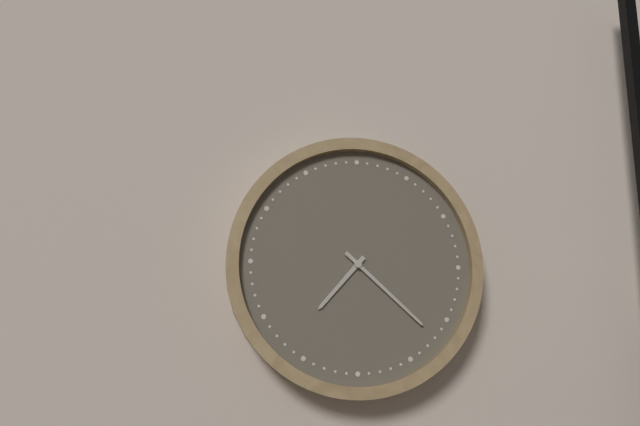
7:22
